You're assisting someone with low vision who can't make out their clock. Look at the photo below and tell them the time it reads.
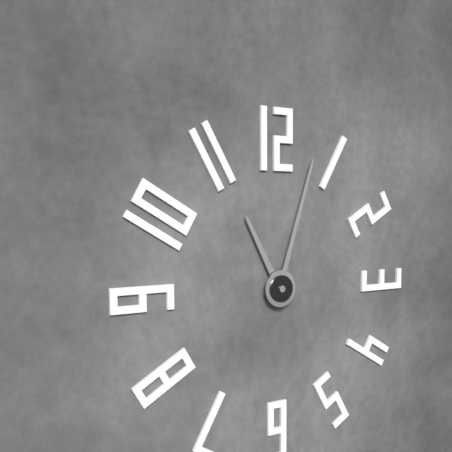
11:03
